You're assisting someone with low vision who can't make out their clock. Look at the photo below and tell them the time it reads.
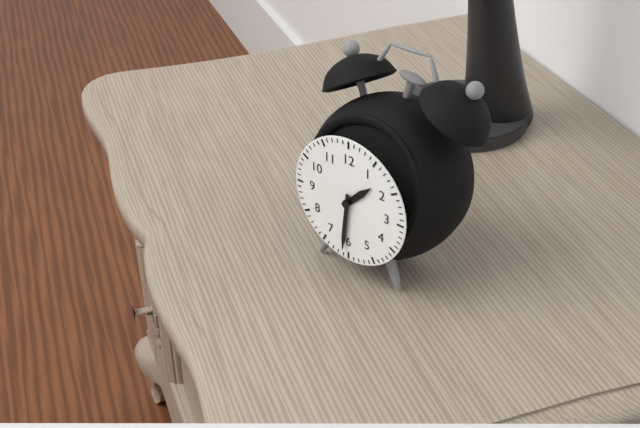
1:31
